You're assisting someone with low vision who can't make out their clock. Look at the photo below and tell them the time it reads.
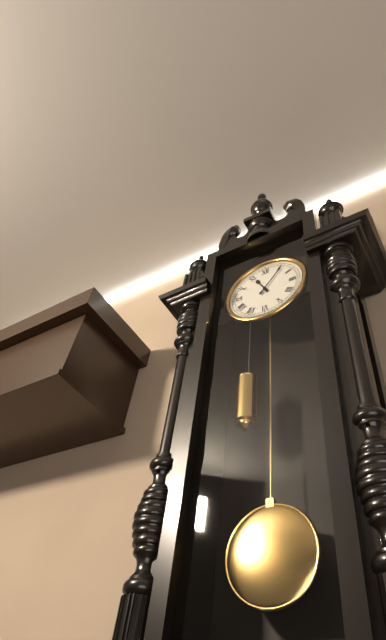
11:06
